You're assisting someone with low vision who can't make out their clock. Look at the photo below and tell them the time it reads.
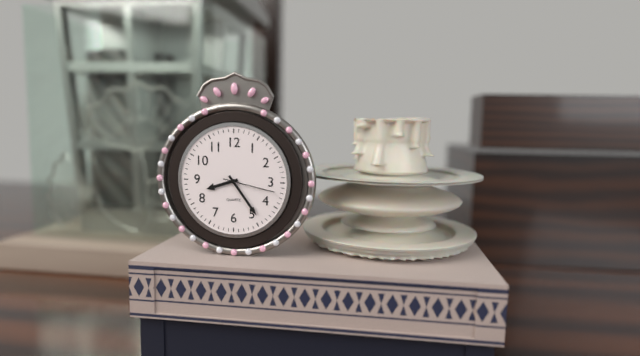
8:24:17
